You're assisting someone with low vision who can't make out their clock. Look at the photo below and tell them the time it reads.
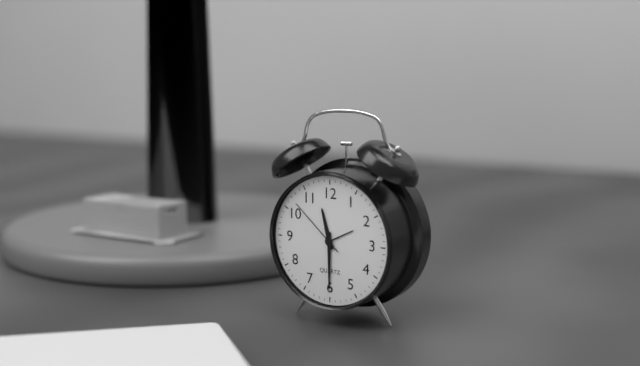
11:30:52
